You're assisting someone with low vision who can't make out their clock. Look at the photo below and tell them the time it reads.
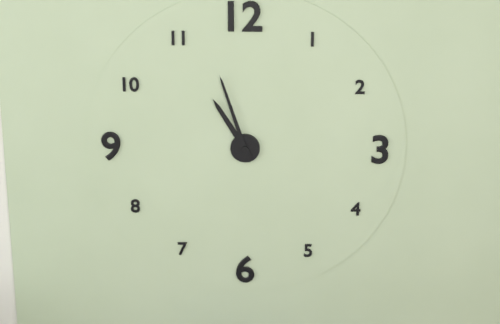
10:57
